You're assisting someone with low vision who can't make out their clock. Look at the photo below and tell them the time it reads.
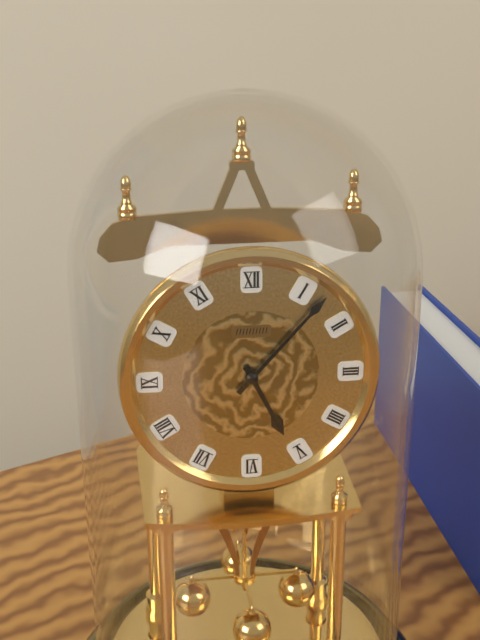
5:07
